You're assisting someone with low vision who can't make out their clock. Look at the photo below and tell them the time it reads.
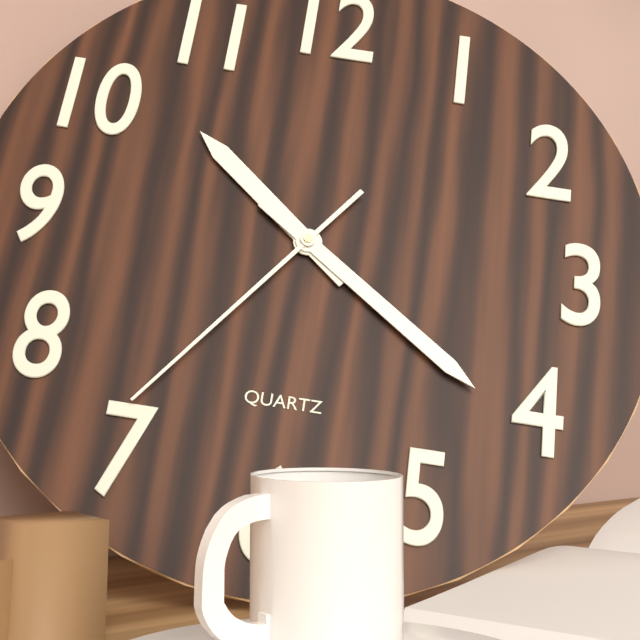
10:21:36
